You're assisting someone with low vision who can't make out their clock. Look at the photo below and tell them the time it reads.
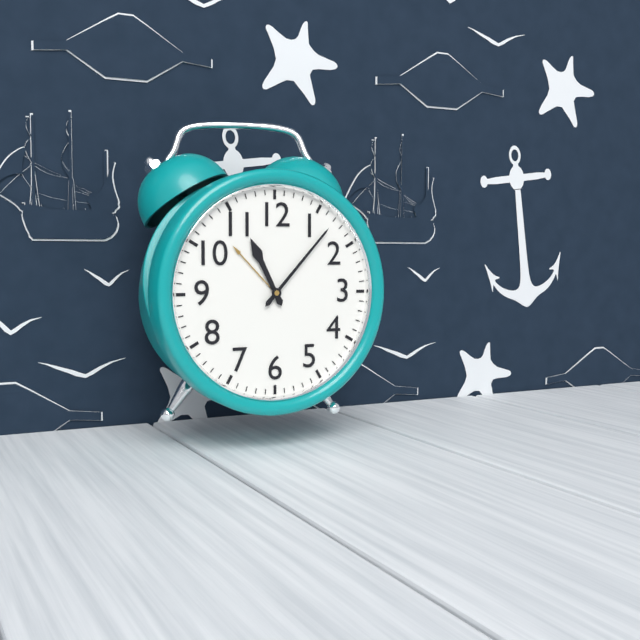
11:07
